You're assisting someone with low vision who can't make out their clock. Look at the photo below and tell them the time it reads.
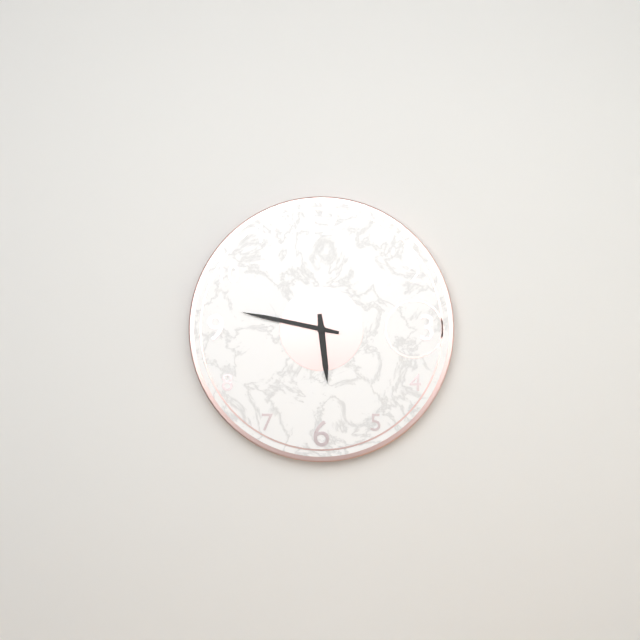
5:47
